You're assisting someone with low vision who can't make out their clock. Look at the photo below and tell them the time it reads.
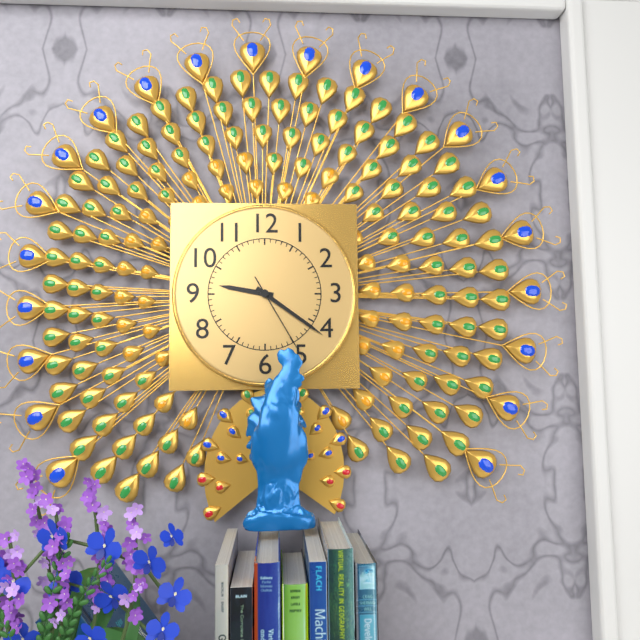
9:21:25
